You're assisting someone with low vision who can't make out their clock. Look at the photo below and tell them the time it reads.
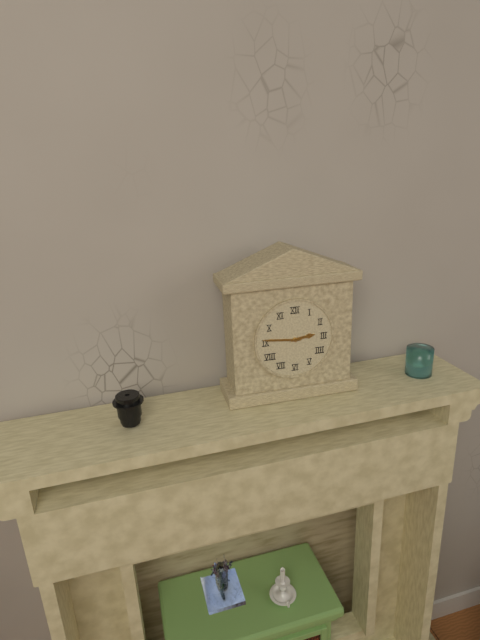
2:46
